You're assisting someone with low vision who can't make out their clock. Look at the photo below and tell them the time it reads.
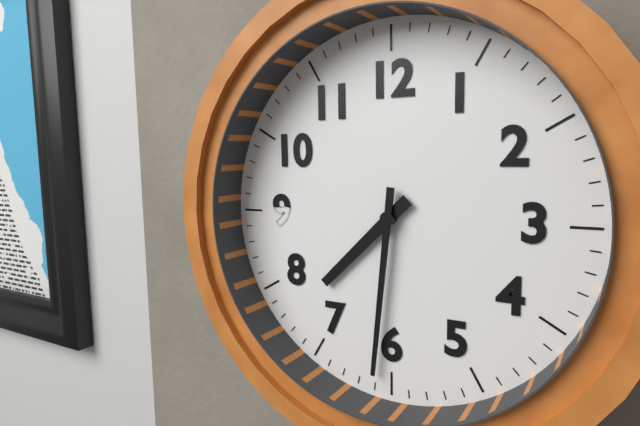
7:31
